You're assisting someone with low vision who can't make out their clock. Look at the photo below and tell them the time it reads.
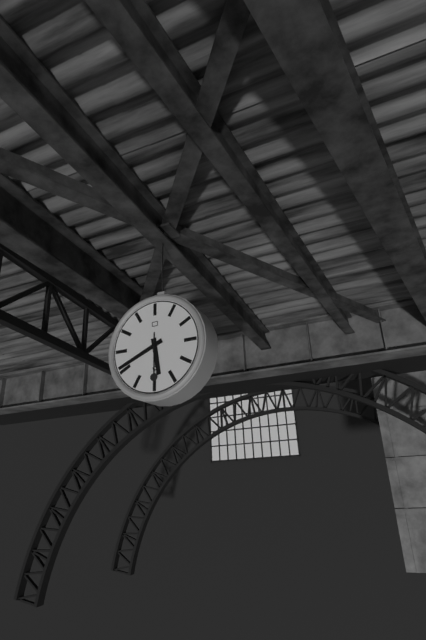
5:41:30
